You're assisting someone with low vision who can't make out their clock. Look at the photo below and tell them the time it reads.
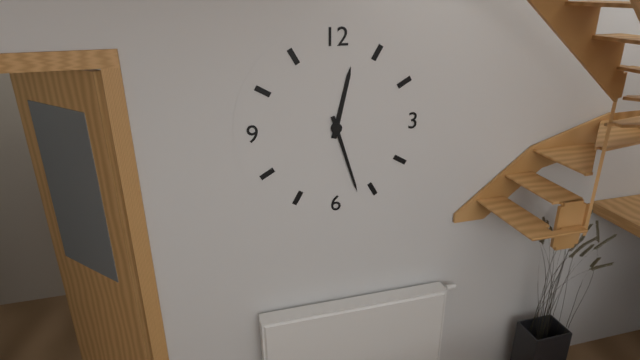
12:27
